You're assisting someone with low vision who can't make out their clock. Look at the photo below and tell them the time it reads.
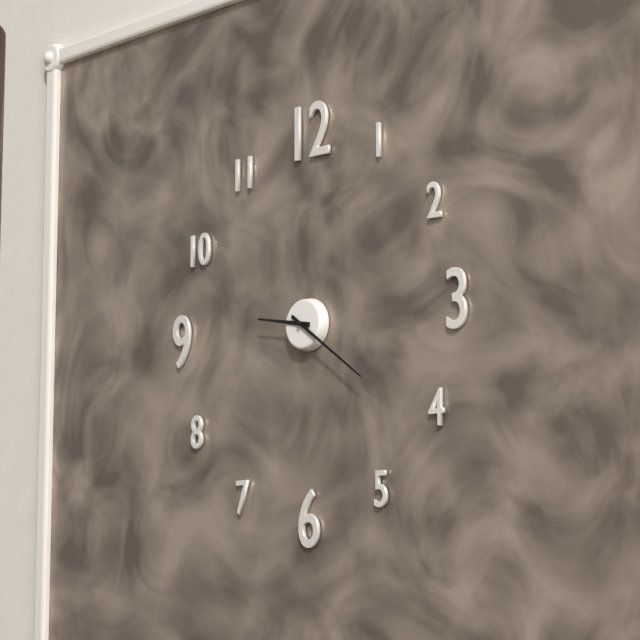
9:21
